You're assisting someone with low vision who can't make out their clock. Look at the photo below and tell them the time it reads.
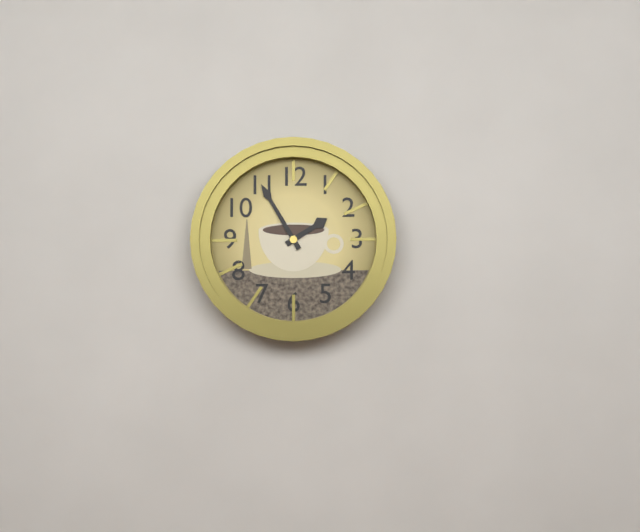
1:55
